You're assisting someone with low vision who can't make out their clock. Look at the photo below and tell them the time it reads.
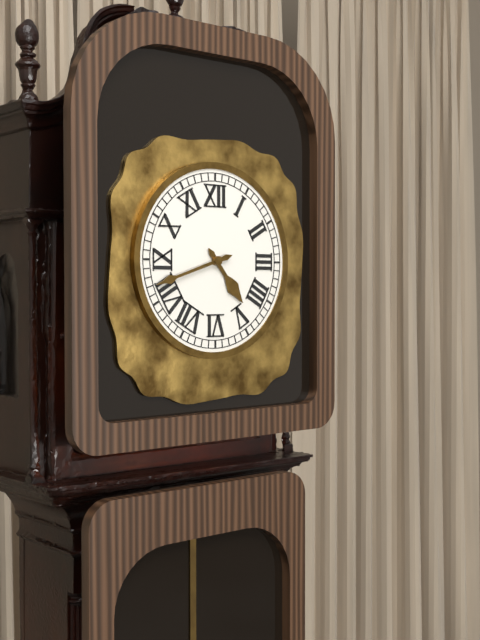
4:42
